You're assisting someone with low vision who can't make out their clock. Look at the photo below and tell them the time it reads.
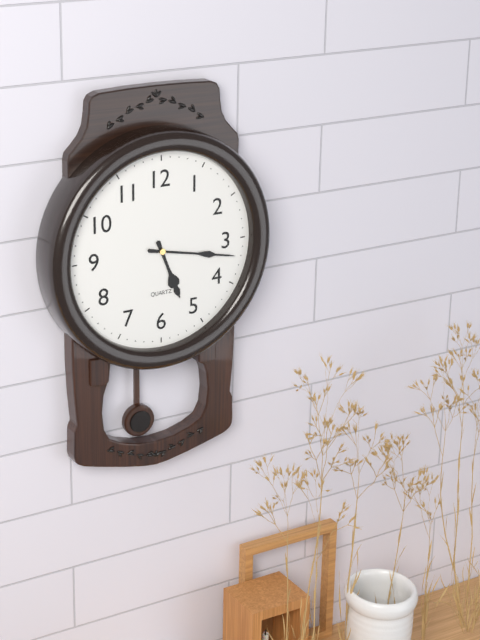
5:17
